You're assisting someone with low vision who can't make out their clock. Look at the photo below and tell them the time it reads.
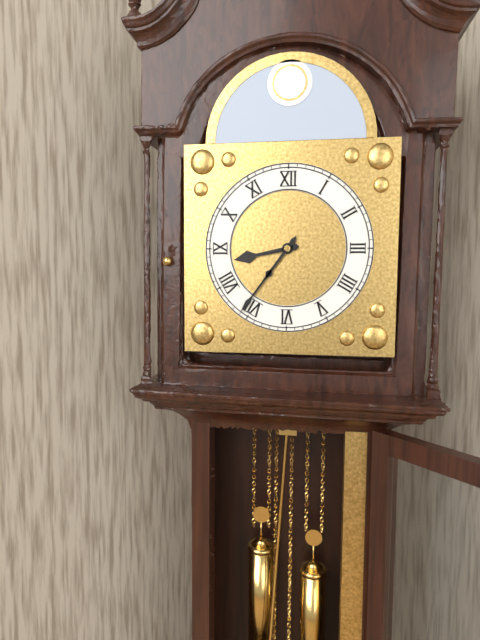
8:36
